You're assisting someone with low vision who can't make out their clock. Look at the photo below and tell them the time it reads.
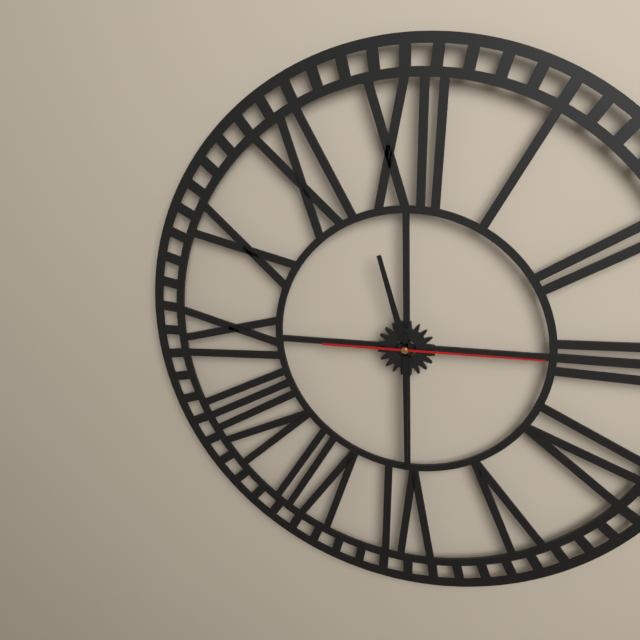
11:30:15
